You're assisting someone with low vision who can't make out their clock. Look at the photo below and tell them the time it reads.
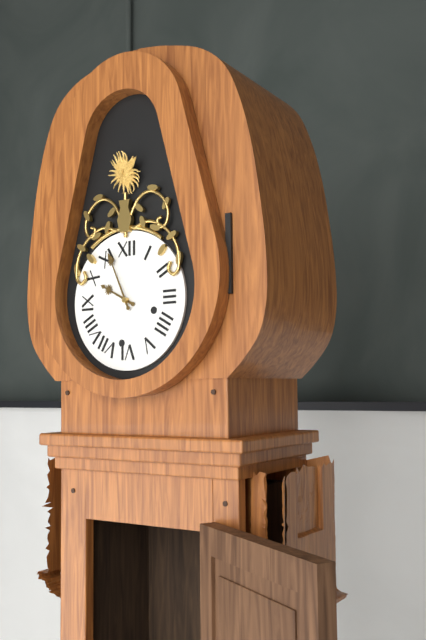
9:56
